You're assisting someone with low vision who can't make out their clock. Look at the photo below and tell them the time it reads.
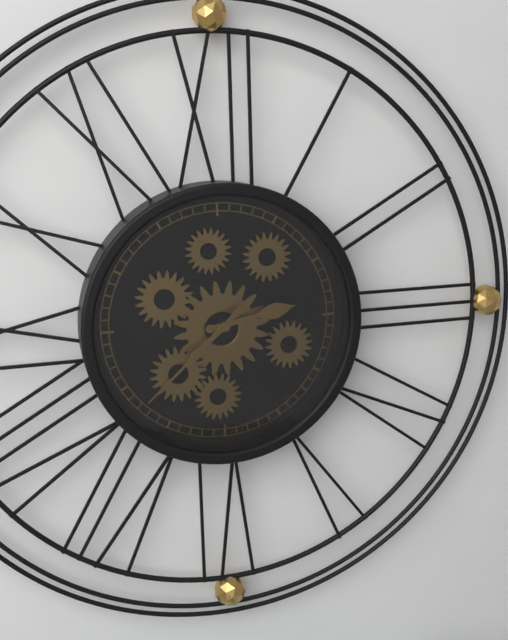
2:38
